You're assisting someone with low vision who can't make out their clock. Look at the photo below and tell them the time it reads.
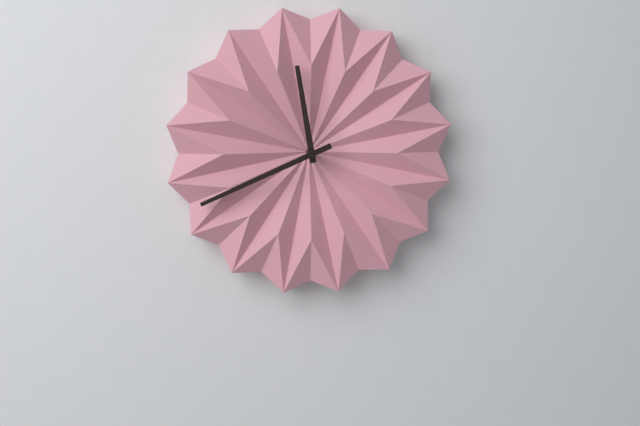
11:41
